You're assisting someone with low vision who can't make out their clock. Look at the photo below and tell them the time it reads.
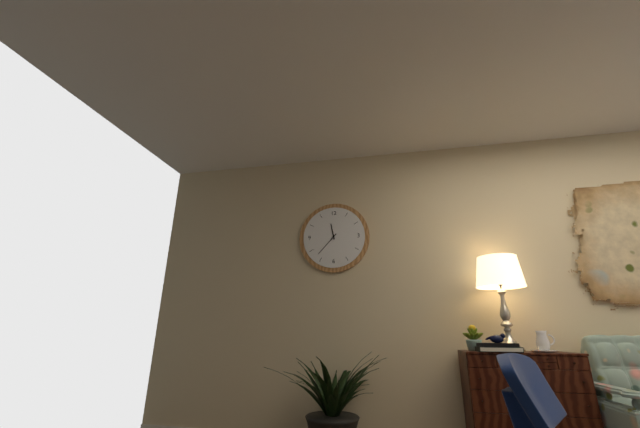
11:37
